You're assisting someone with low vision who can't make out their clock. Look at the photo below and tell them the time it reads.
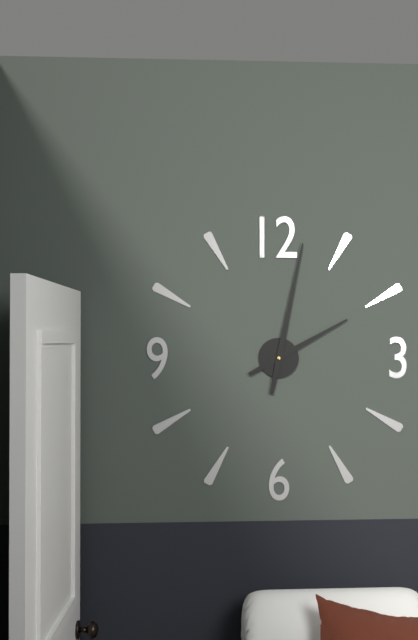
2:02
